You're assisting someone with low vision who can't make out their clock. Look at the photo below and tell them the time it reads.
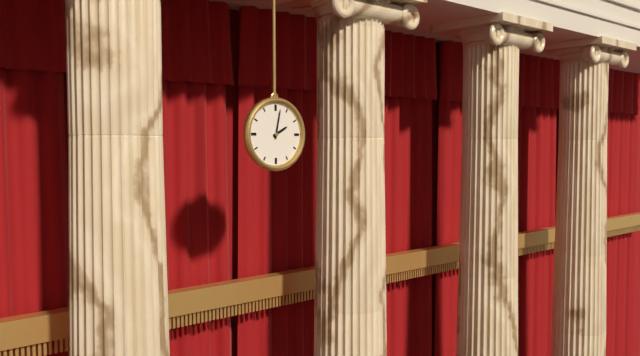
2:02
